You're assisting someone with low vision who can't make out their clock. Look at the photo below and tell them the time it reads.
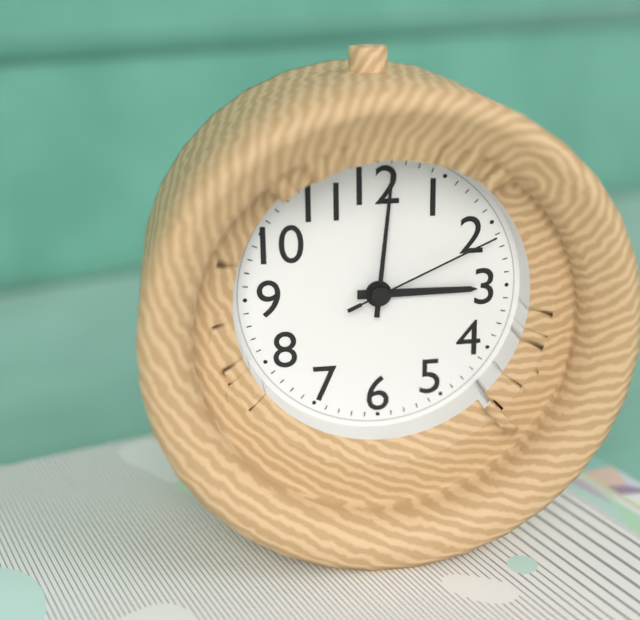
3:01:11
